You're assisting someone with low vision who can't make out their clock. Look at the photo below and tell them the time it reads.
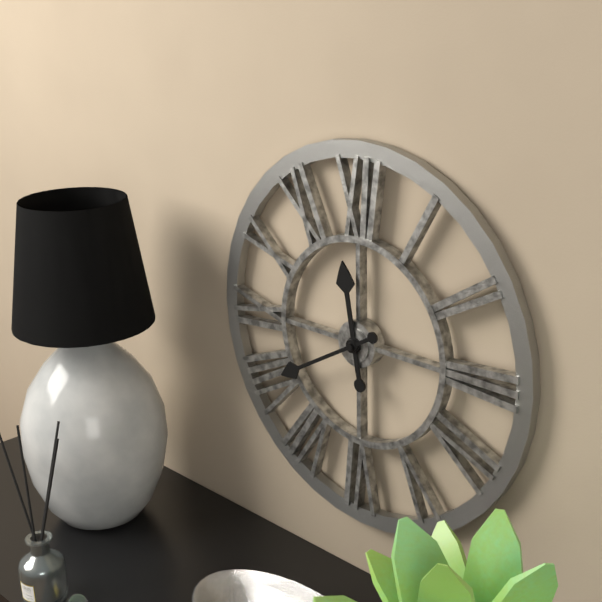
11:40
